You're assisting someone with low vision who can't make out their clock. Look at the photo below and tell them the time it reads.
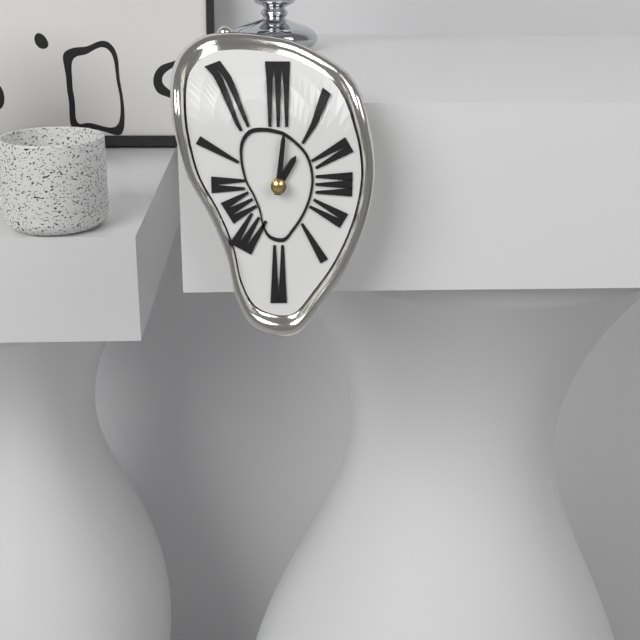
1:01
